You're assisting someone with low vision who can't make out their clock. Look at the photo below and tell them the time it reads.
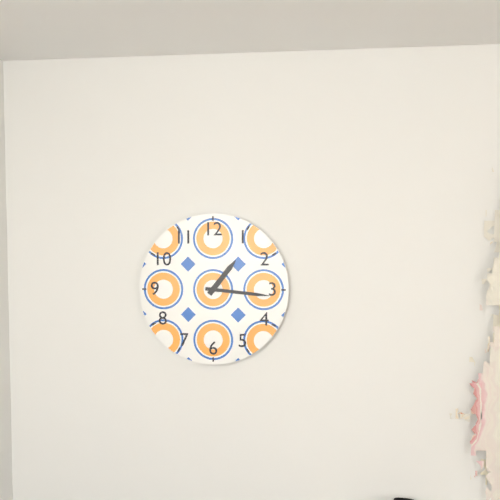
1:16
